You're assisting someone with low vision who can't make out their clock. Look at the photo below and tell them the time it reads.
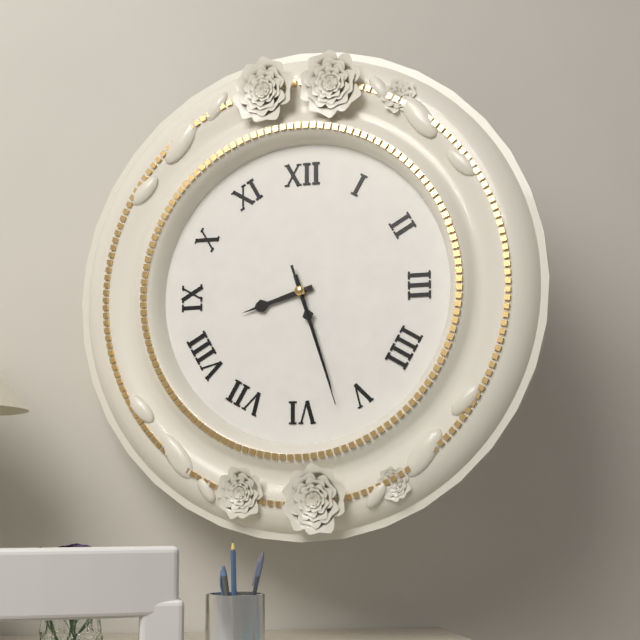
8:27:27
